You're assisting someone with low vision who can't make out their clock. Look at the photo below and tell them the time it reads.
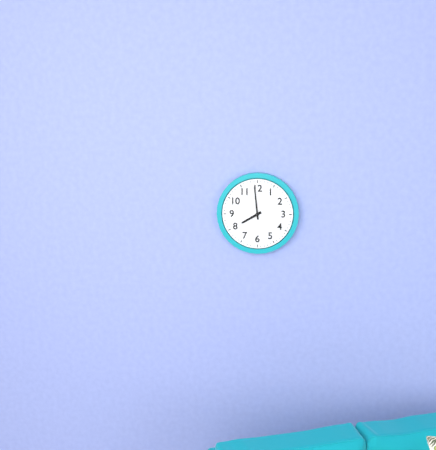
7:59
